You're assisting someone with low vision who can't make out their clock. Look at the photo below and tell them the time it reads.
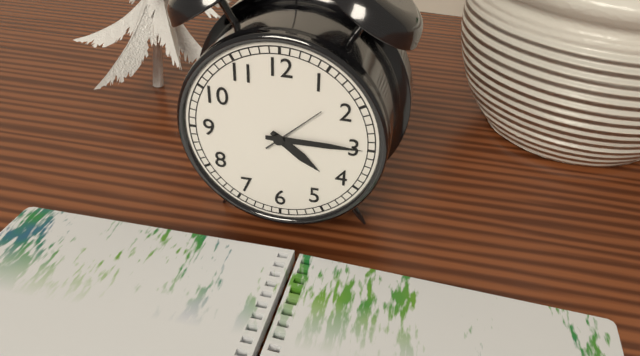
4:15:08
